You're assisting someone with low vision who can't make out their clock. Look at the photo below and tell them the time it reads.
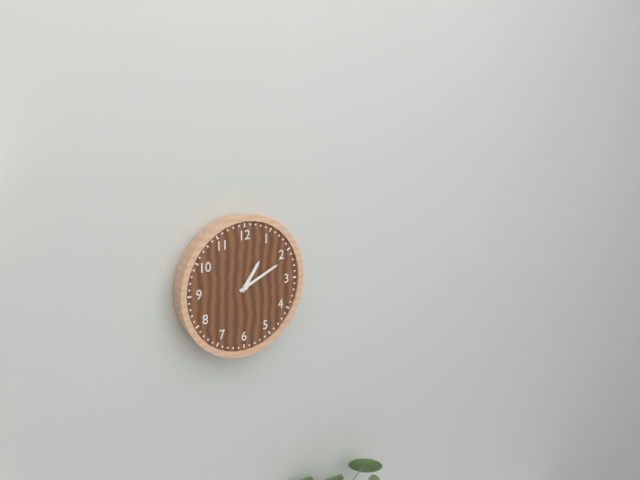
1:11
